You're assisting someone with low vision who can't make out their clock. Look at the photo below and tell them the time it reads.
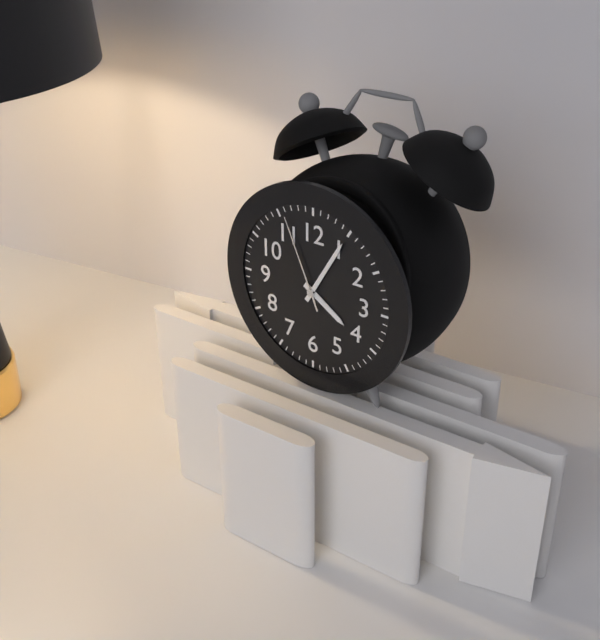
4:05:56
